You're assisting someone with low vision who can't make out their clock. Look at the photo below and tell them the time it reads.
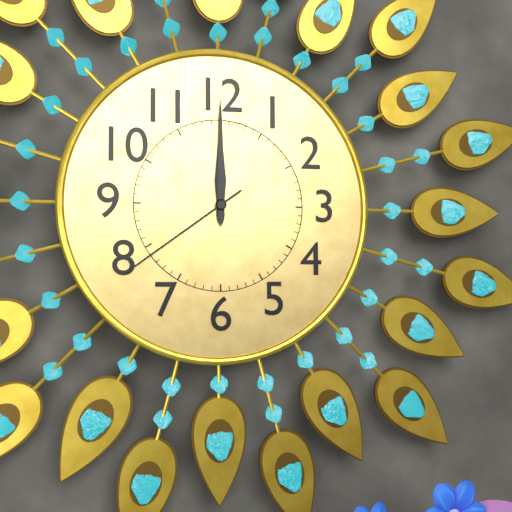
12:00:39
